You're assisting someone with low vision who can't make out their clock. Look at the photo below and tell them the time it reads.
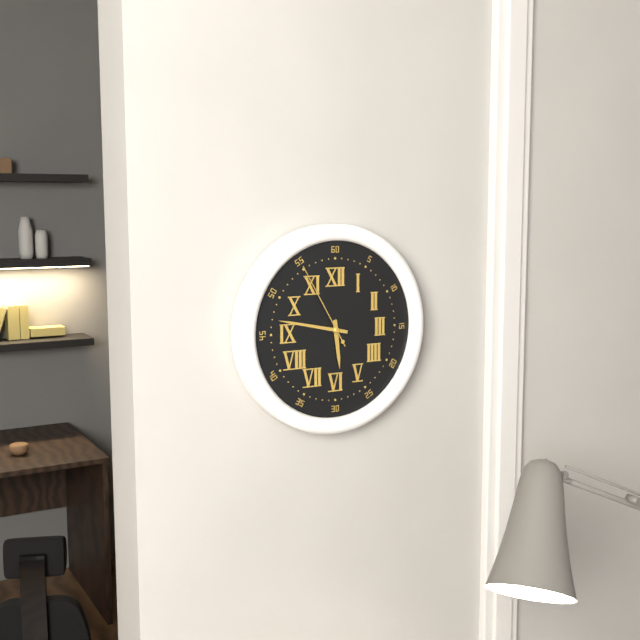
5:47:55
